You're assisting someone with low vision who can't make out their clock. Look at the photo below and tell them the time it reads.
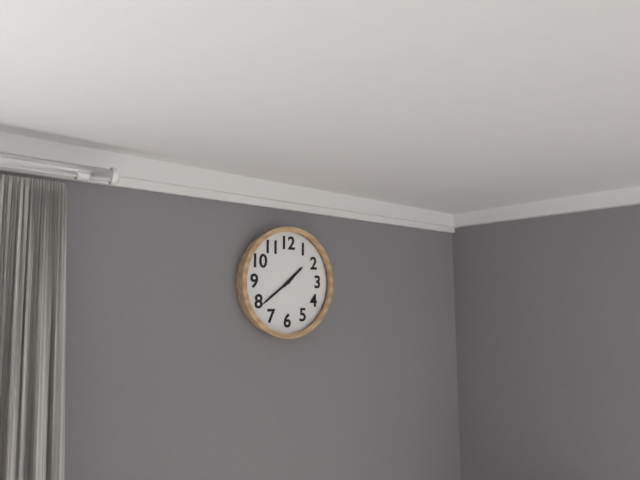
1:39
